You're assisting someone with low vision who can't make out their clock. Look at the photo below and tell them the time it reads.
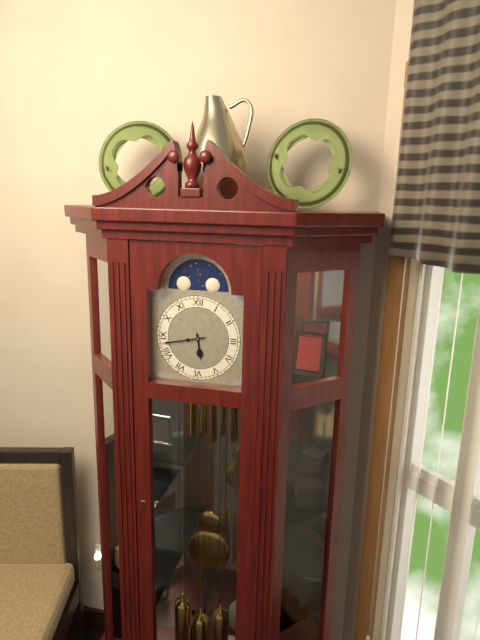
5:43
